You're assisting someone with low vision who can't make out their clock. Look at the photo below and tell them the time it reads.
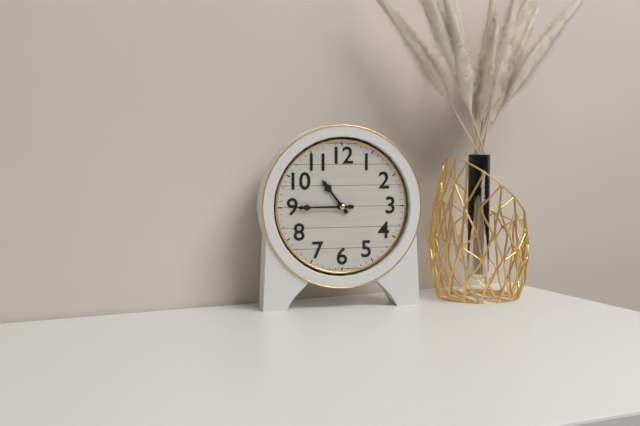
10:45
